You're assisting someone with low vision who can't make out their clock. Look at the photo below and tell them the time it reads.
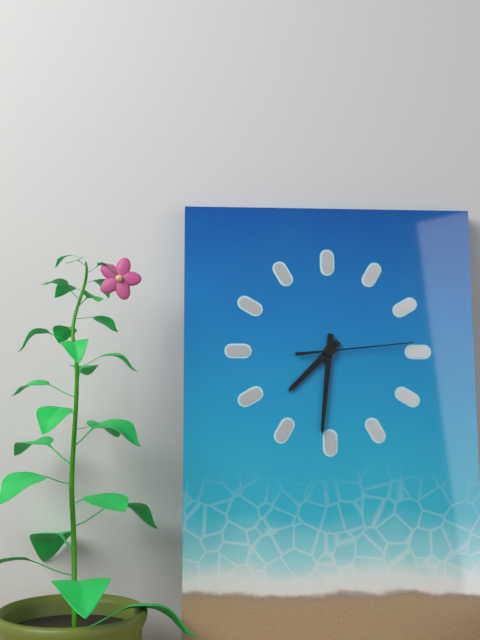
7:31:14
